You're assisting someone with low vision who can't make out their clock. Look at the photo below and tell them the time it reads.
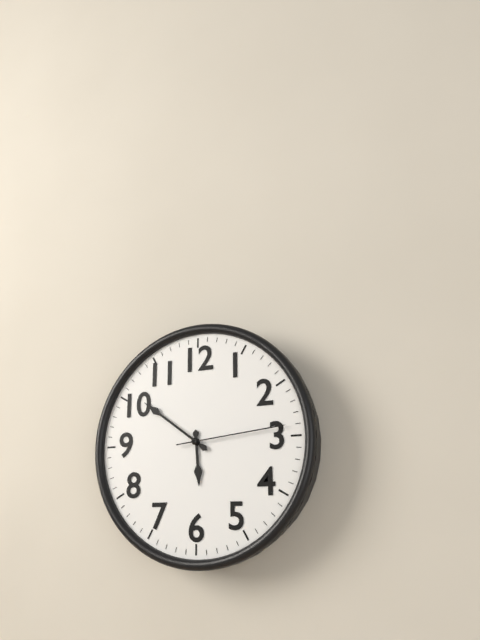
5:51:14
